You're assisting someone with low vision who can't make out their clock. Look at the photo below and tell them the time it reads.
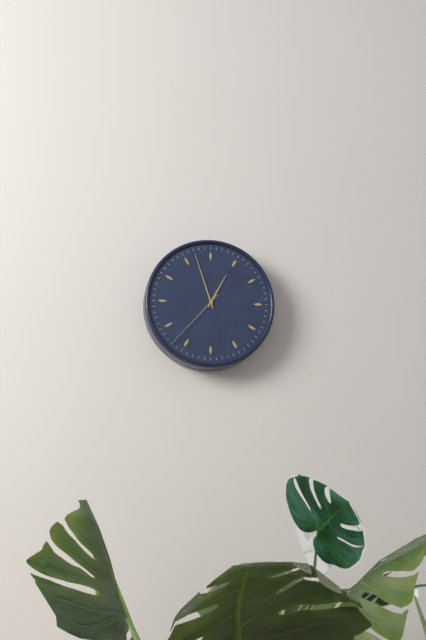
12:57:37
